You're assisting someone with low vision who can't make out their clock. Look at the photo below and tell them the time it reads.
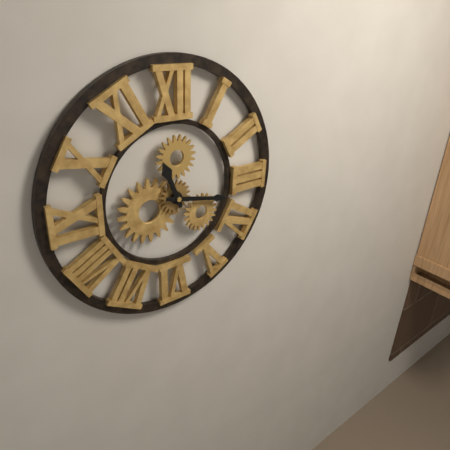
11:17
